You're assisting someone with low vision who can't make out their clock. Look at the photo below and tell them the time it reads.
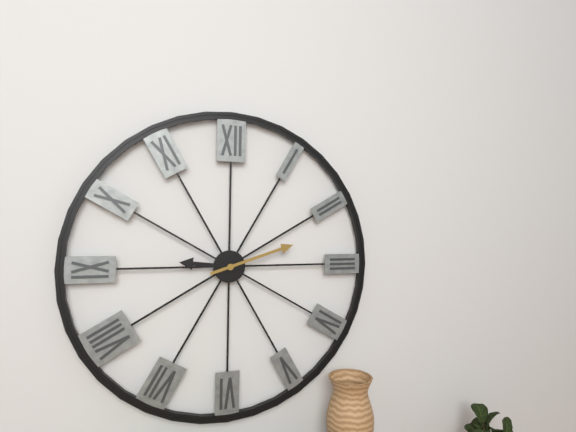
9:12
